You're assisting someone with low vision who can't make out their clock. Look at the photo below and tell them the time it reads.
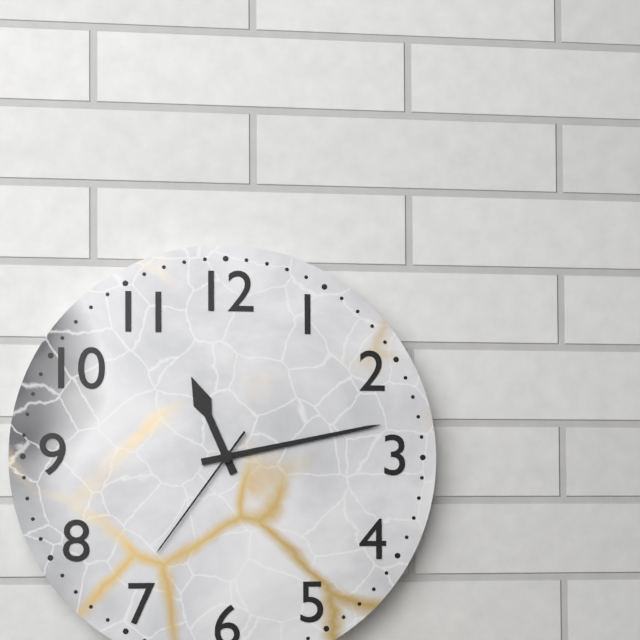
11:13:36
